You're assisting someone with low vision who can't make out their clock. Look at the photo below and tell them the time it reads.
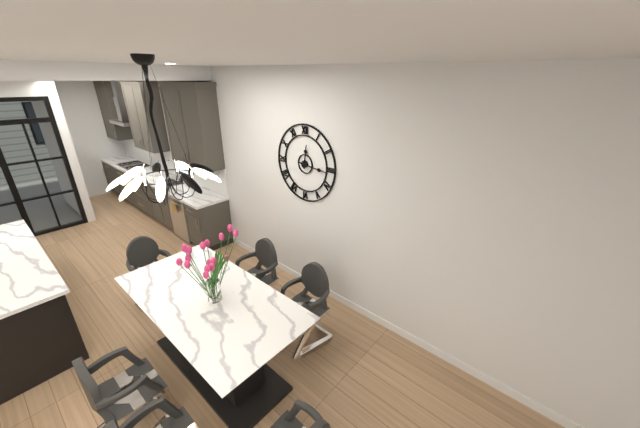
12:16
